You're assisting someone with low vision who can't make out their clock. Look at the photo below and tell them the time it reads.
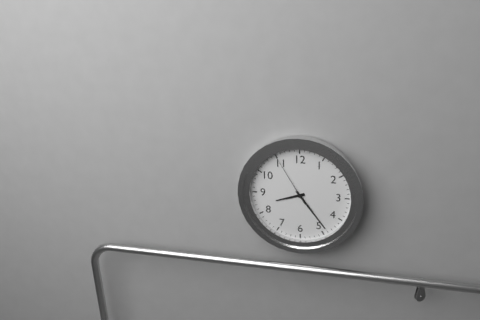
8:24:55
